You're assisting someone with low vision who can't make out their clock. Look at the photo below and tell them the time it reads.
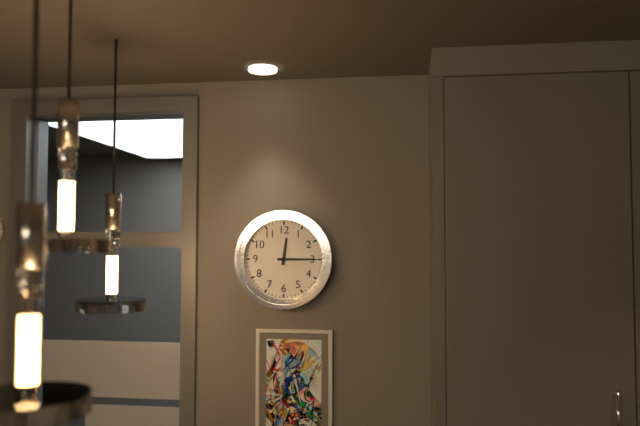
12:15
